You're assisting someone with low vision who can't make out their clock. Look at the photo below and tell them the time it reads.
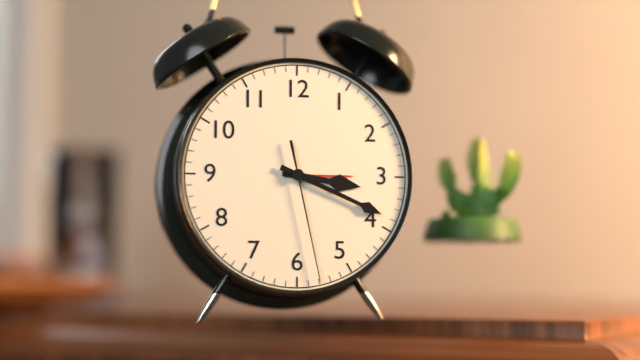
3:19:28
